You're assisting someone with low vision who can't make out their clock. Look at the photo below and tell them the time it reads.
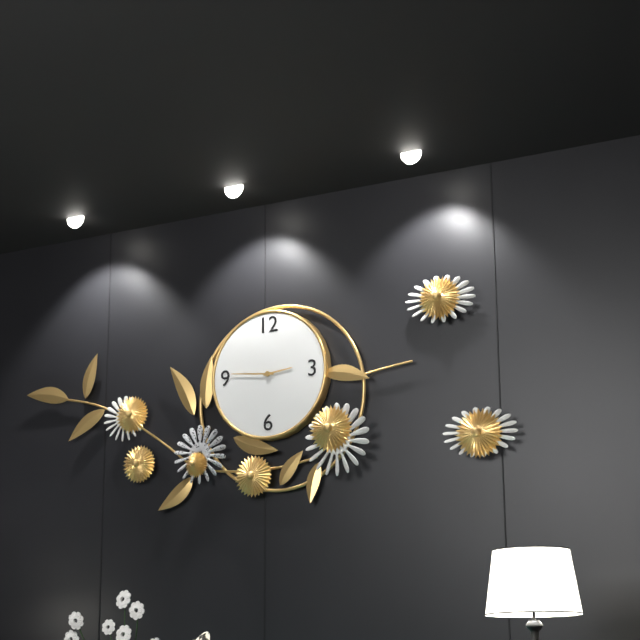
2:46
